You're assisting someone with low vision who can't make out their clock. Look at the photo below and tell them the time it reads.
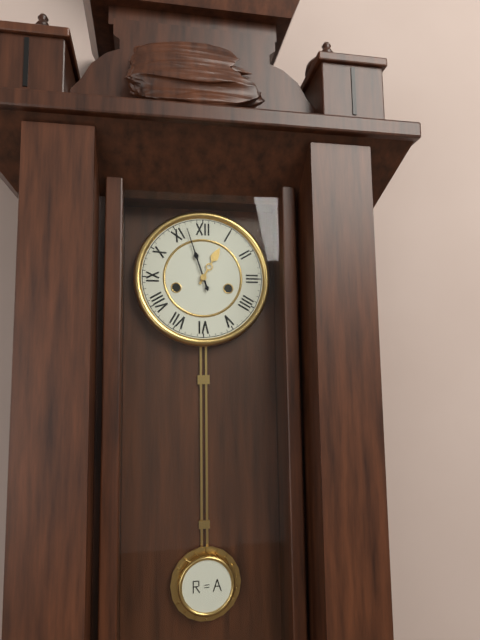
12:57
